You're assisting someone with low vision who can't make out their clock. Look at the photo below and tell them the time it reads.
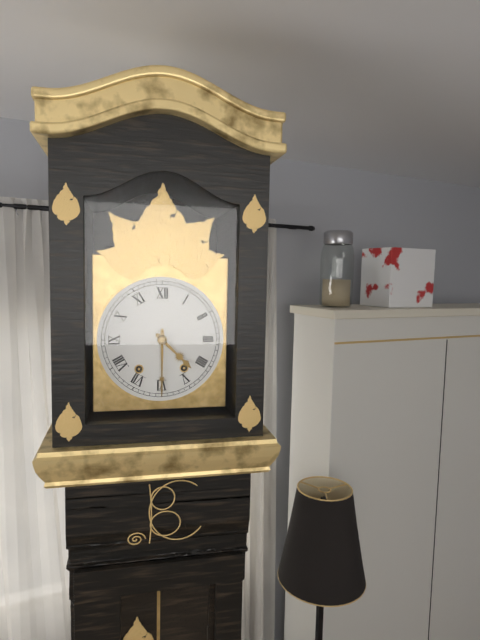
4:30
